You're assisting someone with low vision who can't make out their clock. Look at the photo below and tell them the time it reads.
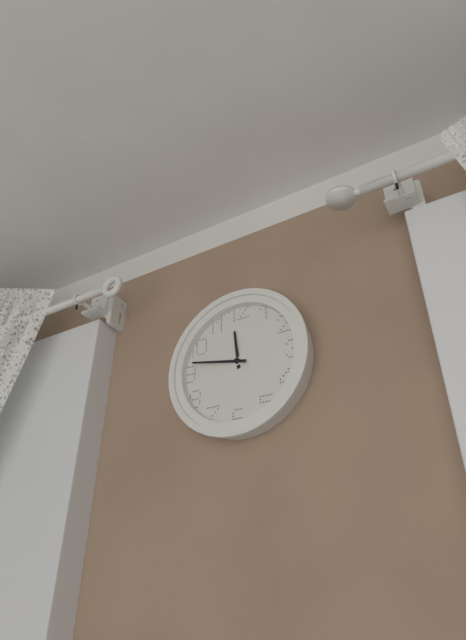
11:47
